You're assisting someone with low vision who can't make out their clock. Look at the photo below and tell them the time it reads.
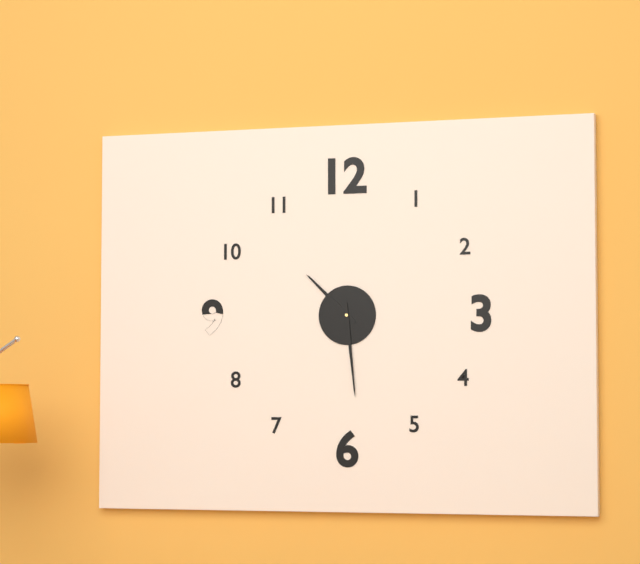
10:29
